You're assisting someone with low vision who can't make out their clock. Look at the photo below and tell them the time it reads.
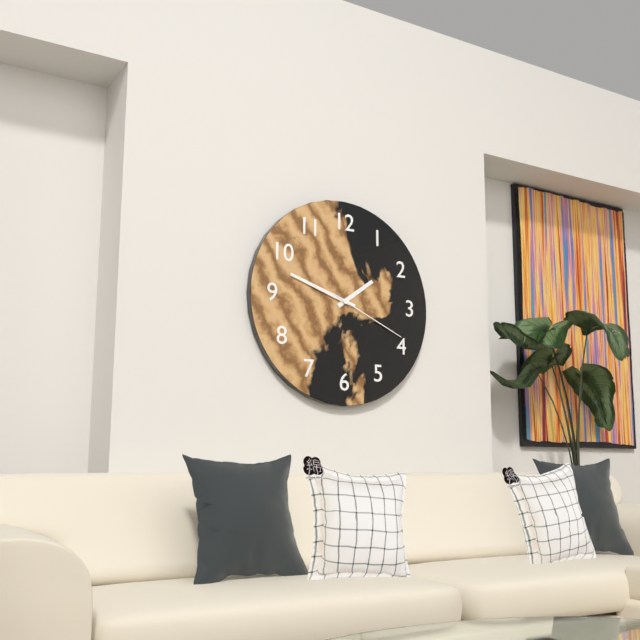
1:48:19
